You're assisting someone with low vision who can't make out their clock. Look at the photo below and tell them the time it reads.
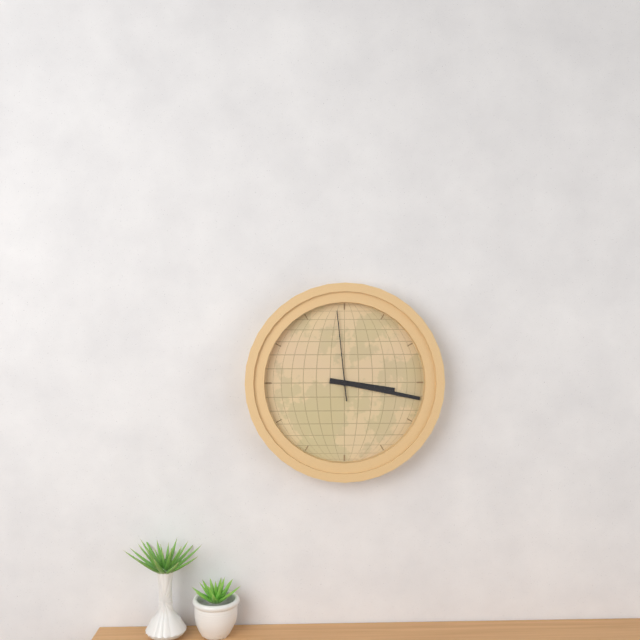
3:17:59
